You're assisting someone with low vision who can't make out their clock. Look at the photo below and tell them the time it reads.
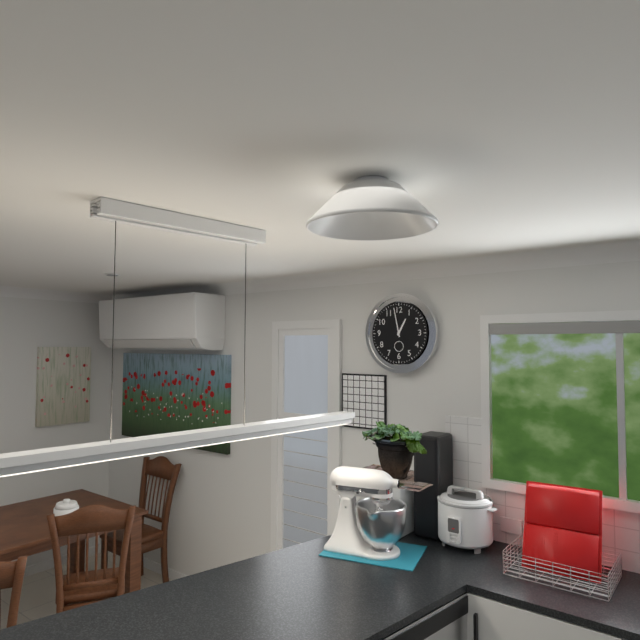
12:58
